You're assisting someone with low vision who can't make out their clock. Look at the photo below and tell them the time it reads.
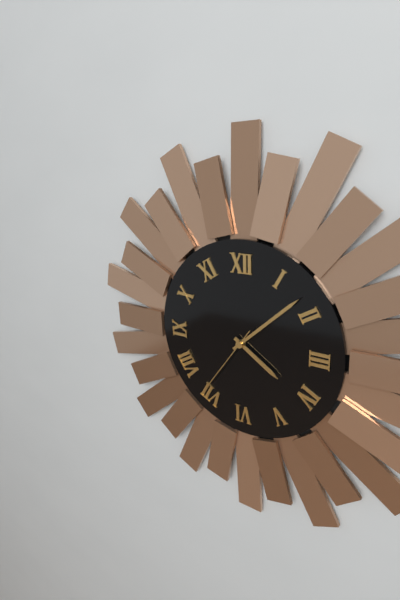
4:08:36
